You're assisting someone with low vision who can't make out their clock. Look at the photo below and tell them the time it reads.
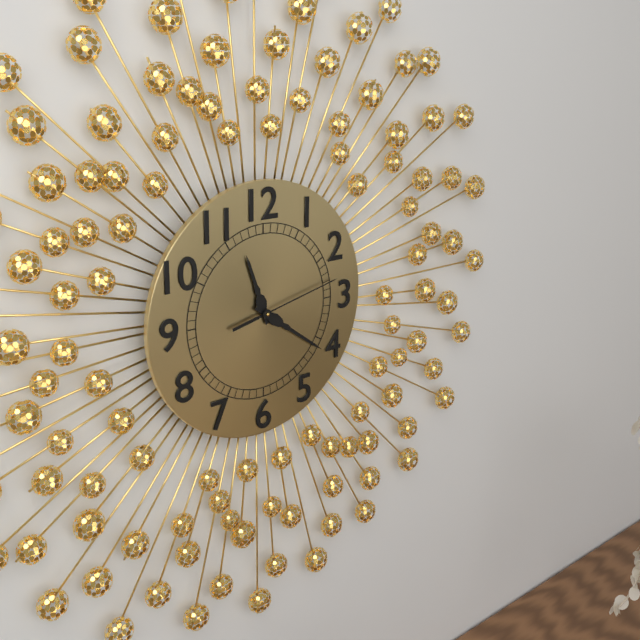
11:21:13
